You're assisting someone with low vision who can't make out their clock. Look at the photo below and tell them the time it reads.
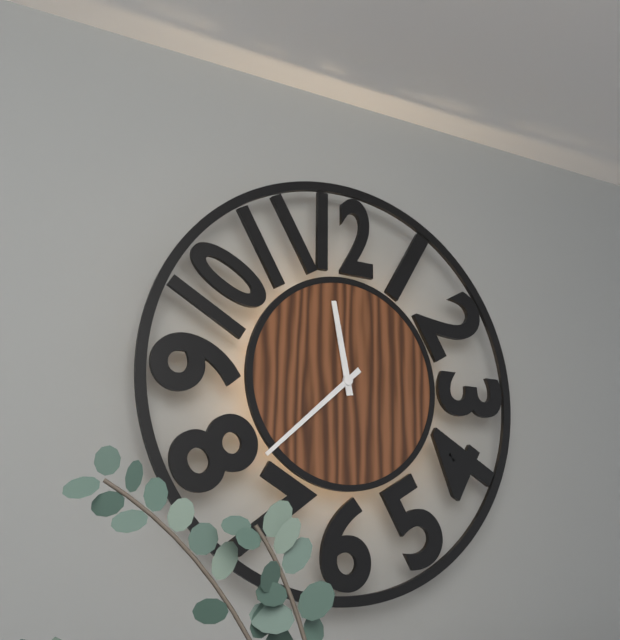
11:38
